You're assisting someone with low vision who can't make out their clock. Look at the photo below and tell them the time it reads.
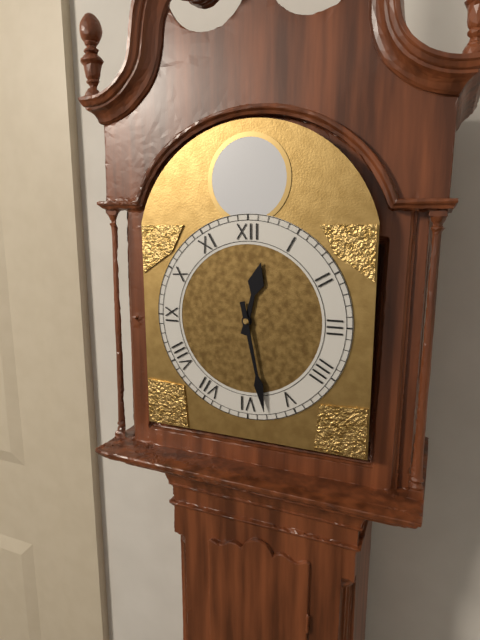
12:28
